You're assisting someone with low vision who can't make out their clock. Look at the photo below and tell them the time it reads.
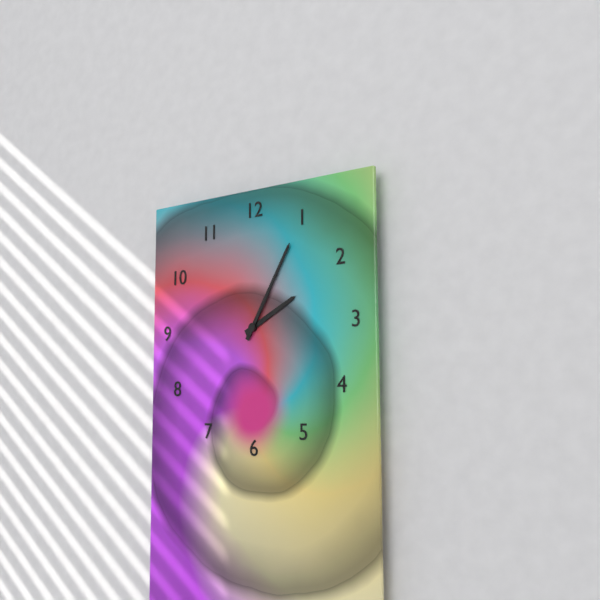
2:05
